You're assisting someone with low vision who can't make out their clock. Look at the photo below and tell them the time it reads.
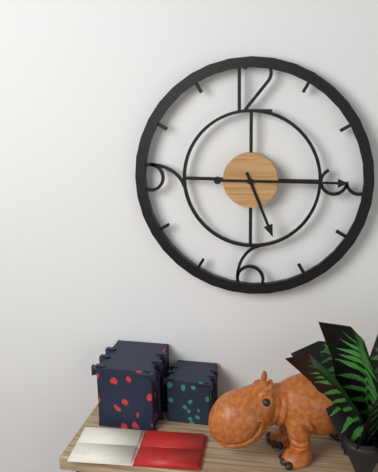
5:15
